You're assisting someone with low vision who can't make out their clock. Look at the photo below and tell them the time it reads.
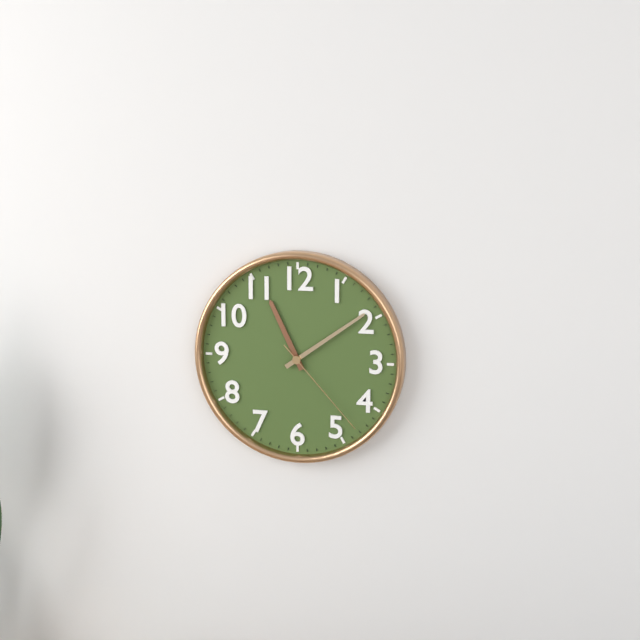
11:09:23
